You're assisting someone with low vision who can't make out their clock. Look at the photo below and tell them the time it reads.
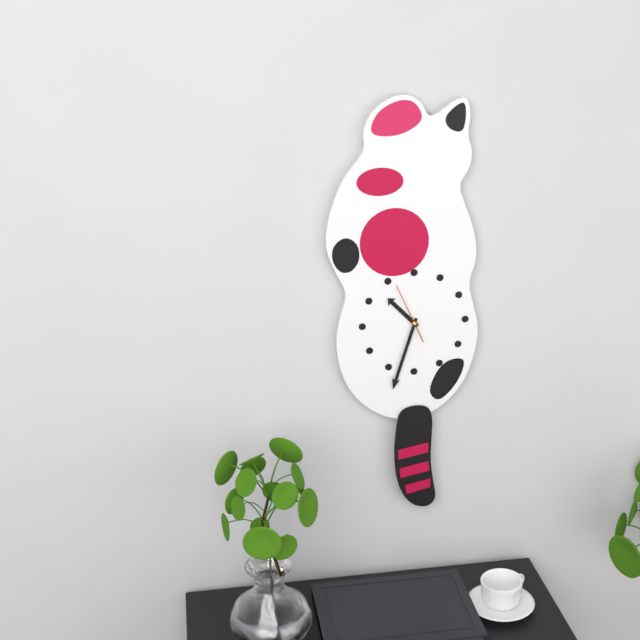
10:33
